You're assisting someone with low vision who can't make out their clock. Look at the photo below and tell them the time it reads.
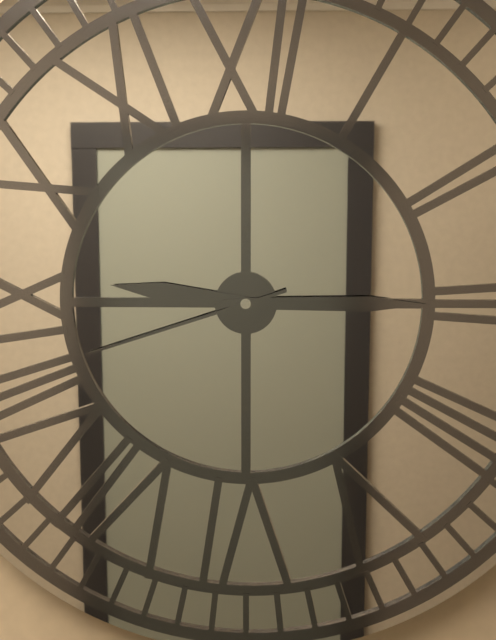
9:15:42
